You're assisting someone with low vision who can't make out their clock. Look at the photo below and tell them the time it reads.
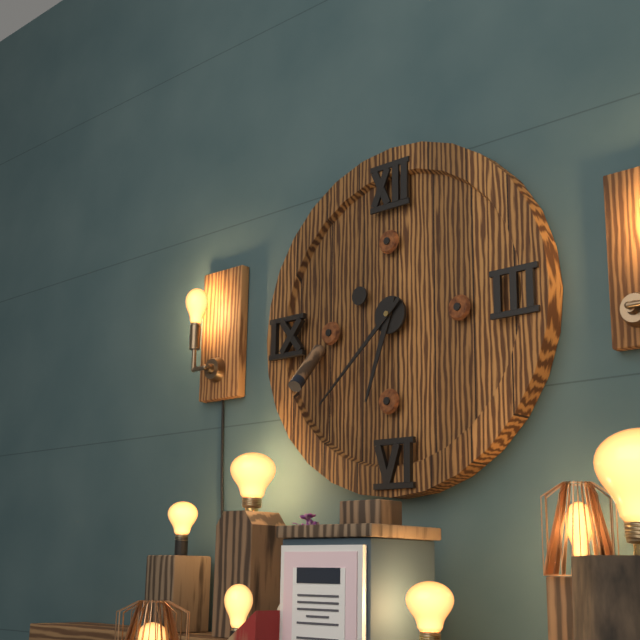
6:38
